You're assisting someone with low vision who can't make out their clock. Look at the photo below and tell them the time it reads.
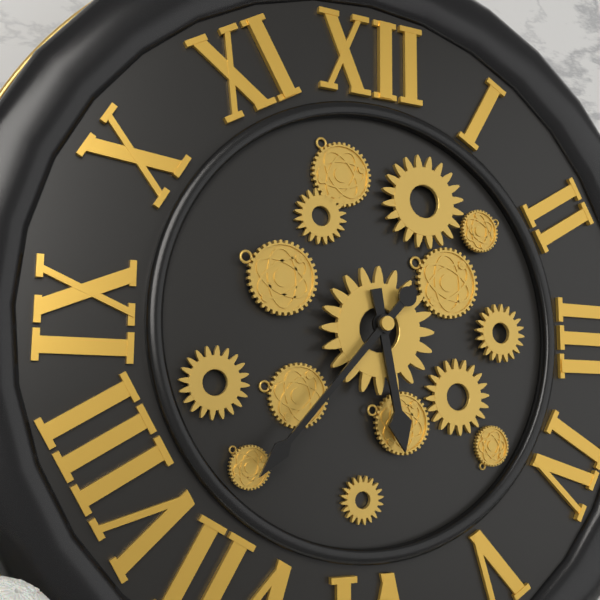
5:37
